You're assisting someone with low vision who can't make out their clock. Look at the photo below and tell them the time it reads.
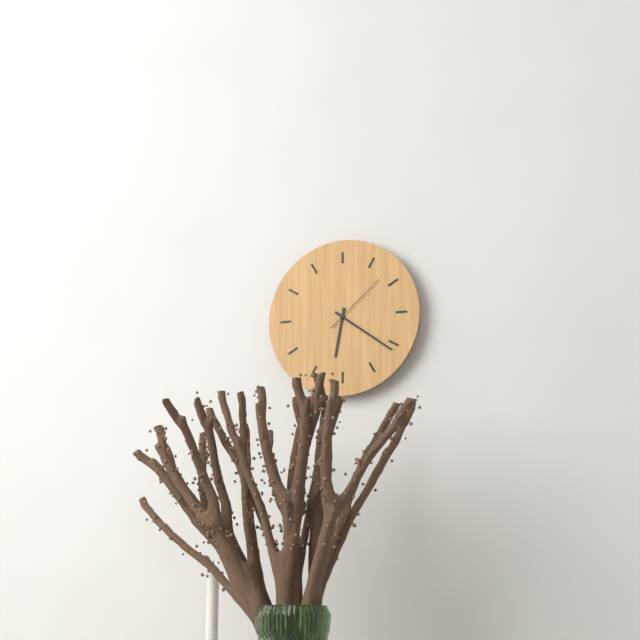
6:21:08
